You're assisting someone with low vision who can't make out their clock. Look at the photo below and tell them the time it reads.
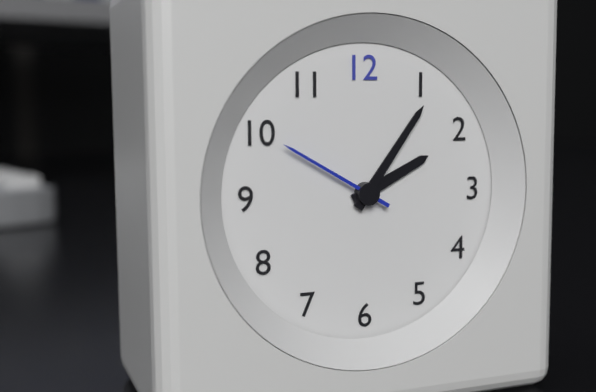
2:06:50
